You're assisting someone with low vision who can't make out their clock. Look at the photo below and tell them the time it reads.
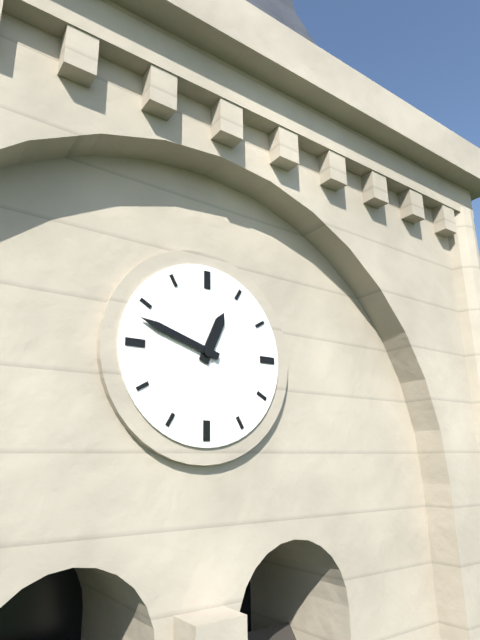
12:48
